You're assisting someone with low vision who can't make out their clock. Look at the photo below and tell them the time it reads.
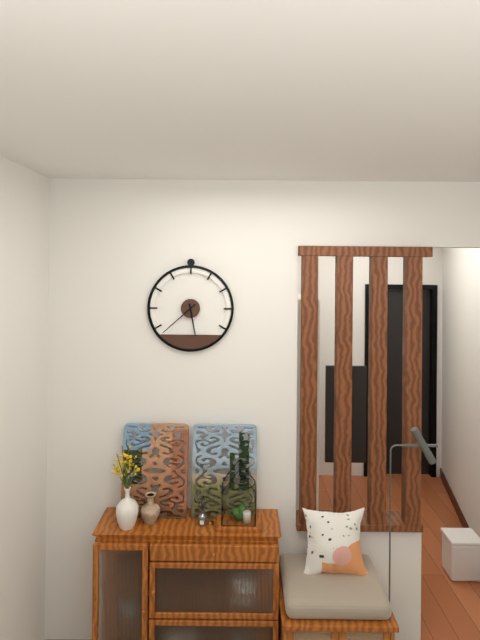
5:38
